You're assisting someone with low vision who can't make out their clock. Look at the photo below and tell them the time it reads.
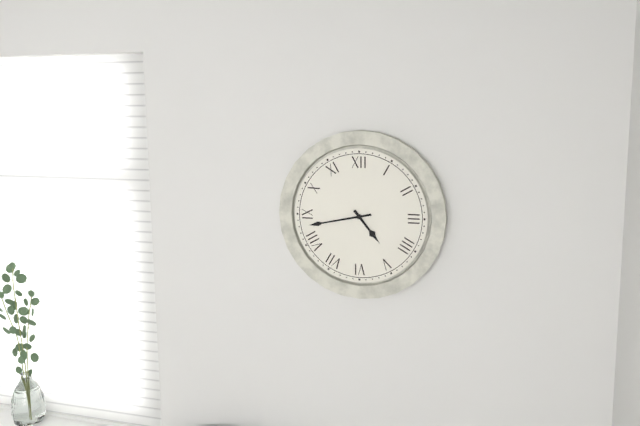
4:43
